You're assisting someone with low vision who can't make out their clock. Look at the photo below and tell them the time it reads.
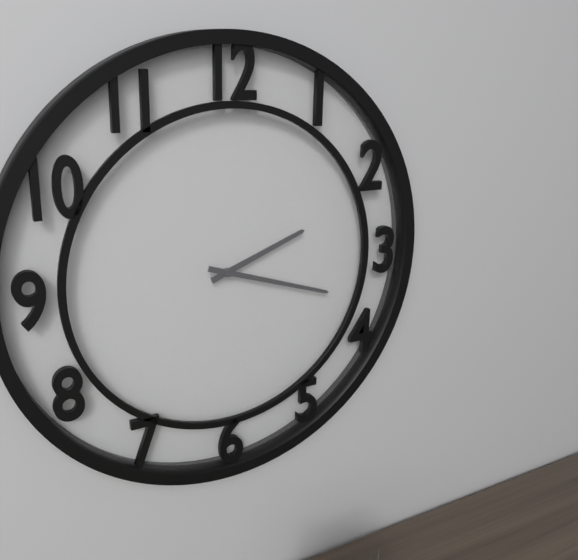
2:18
